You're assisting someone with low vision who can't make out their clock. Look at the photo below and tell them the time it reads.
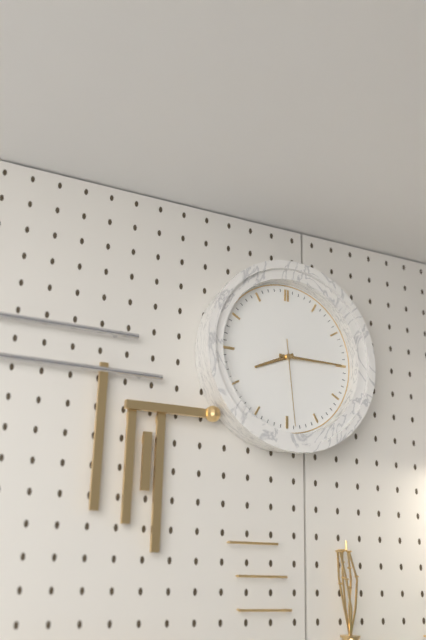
8:15:29
